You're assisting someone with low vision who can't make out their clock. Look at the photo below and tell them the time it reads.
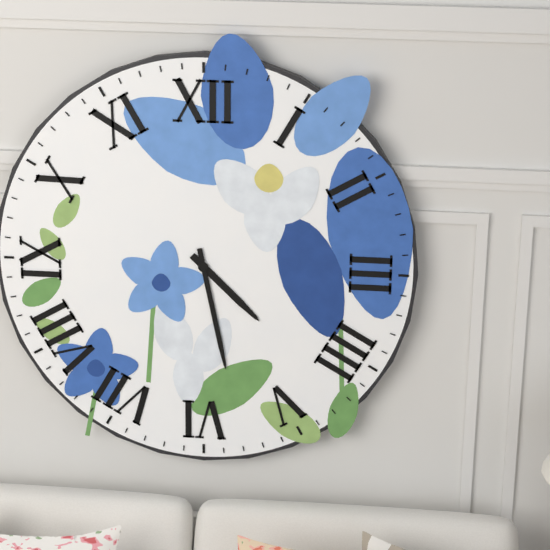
4:28
